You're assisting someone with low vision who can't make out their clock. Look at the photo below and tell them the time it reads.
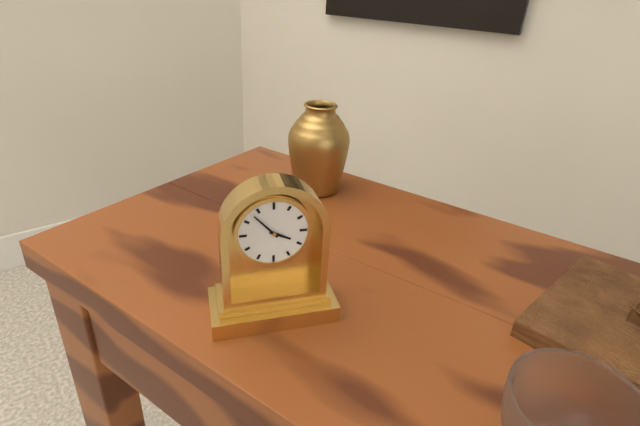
3:53
